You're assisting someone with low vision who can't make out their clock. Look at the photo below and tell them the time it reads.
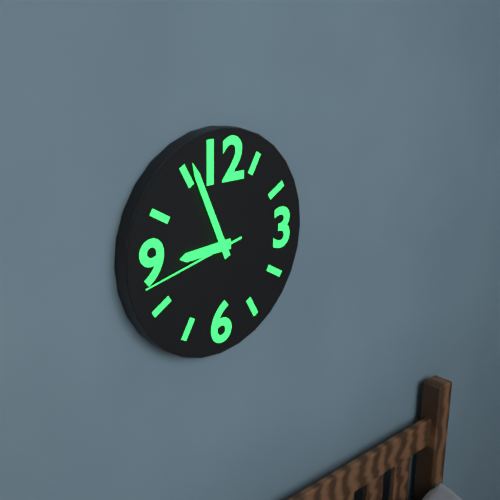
8:56:43
